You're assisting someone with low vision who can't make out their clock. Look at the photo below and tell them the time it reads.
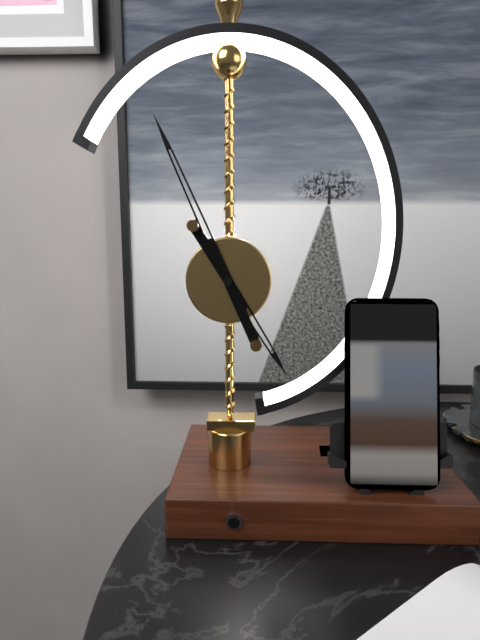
4:56
